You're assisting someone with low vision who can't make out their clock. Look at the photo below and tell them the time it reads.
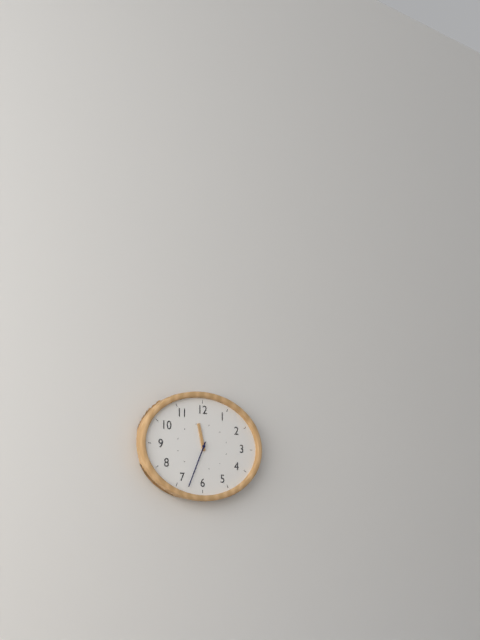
11:34
